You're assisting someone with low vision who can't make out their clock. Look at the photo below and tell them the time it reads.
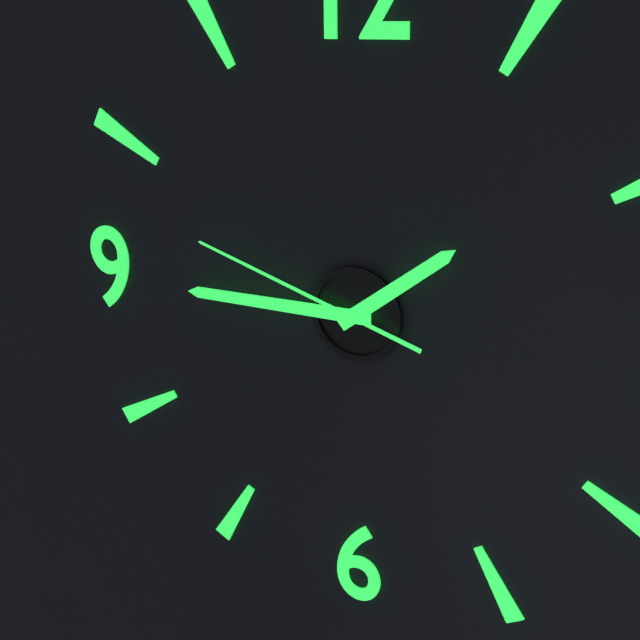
1:45:48
